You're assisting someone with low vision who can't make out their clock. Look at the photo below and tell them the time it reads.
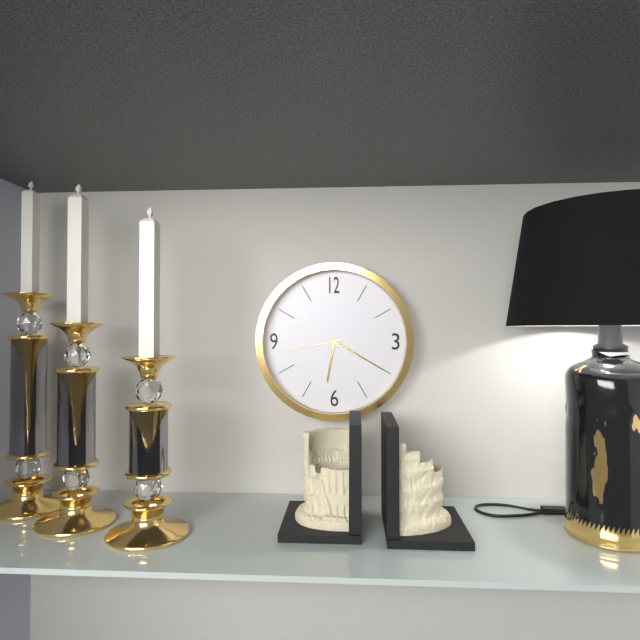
6:20:43
